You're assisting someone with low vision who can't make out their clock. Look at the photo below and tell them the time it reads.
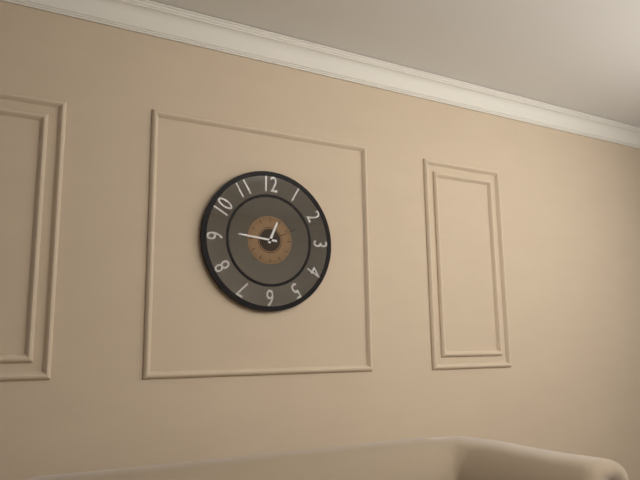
12:46
